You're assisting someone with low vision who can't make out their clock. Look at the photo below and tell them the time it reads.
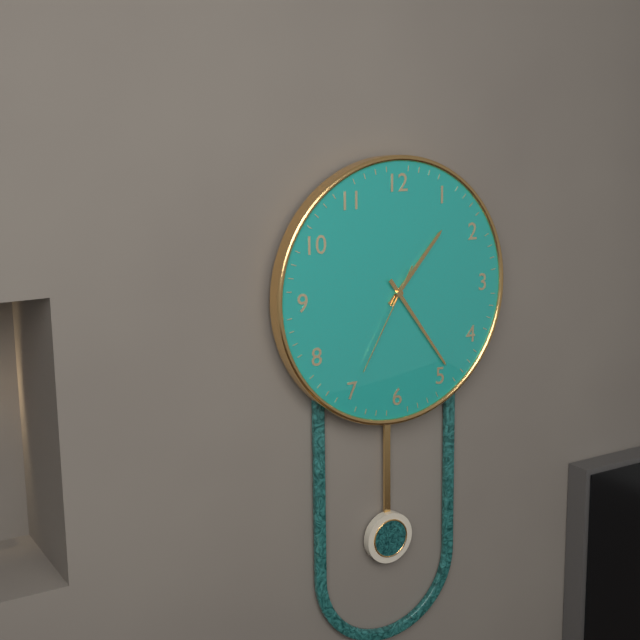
1:24:35
